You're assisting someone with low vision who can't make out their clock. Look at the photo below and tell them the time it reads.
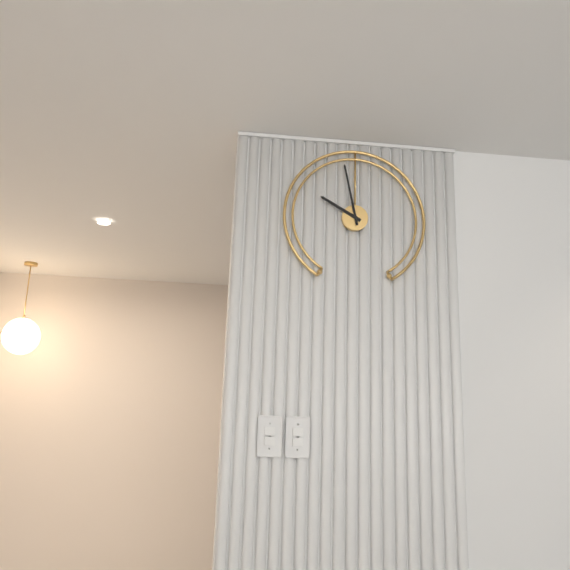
9:58
